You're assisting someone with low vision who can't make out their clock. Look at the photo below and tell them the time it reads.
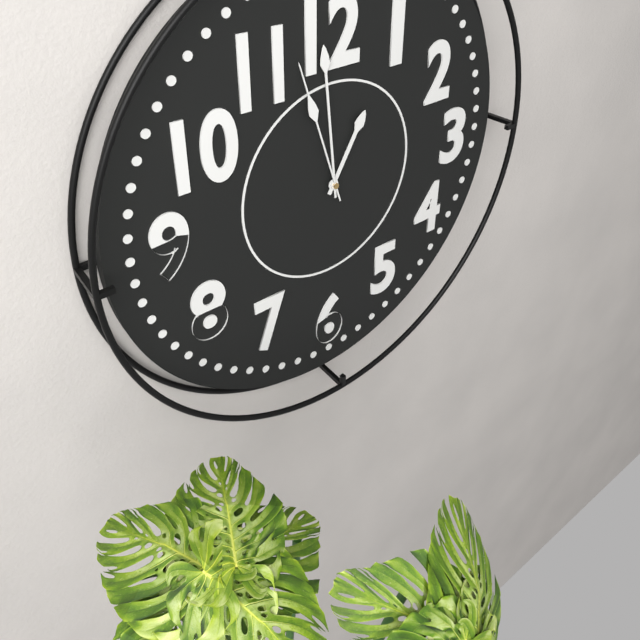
12:59:57
